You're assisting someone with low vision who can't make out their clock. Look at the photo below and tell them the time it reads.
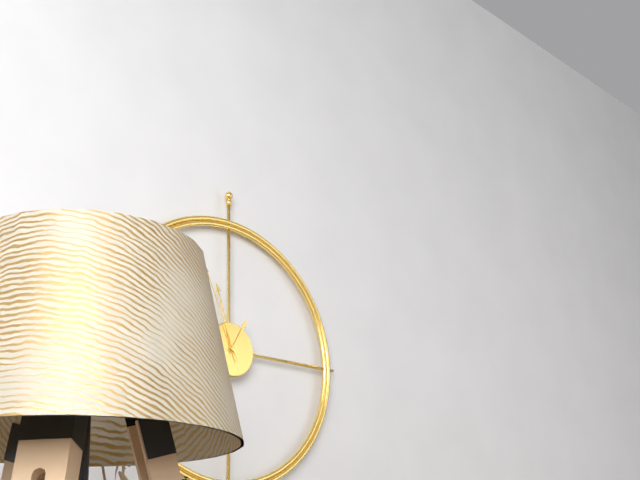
12:57:56
